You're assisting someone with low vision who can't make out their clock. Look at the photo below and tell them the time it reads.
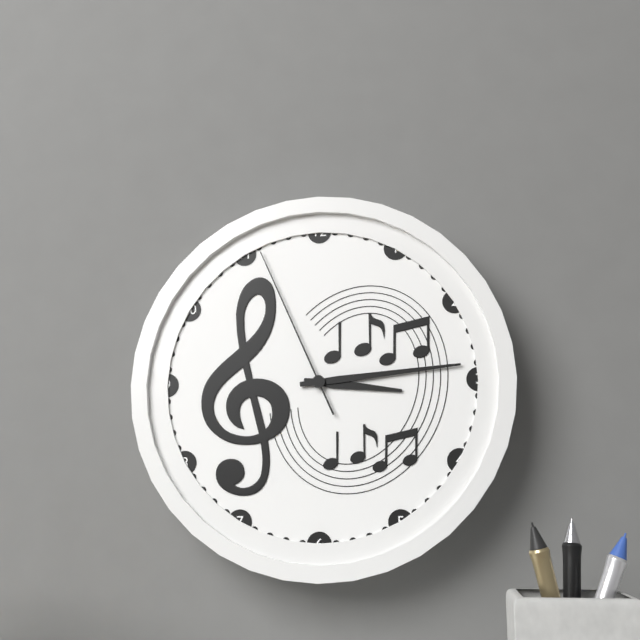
3:14:56
